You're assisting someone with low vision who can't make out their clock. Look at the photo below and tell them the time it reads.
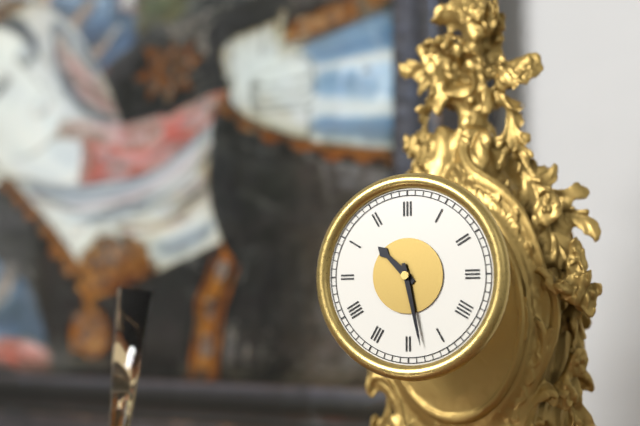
10:28
